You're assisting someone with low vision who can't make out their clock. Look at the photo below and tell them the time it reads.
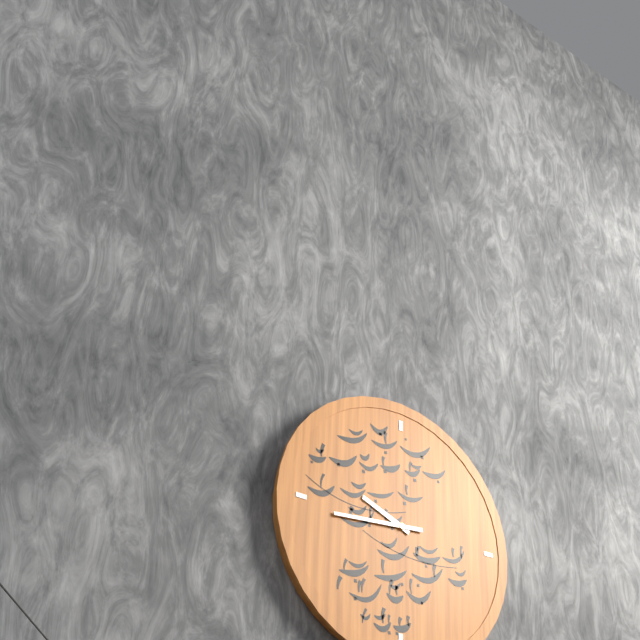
9:44
